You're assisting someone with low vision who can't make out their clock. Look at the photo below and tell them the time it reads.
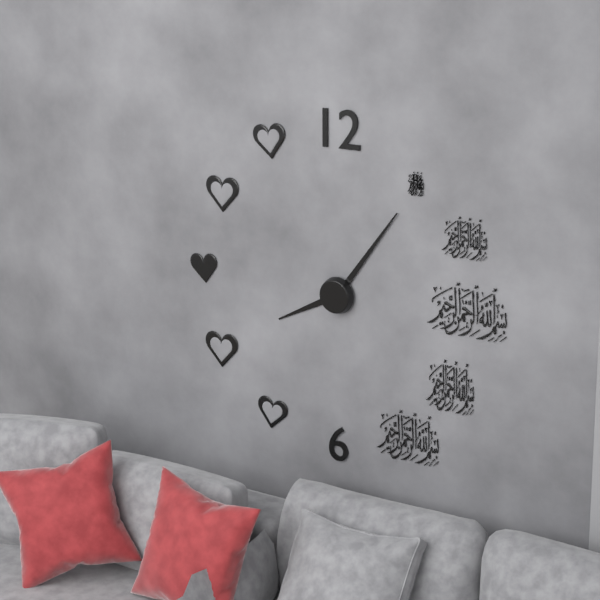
8:06
